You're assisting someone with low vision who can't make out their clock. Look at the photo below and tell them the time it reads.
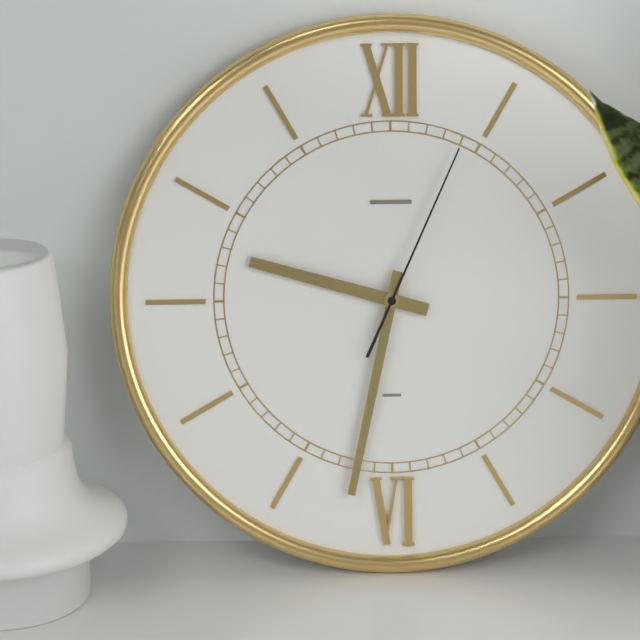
9:32:04
